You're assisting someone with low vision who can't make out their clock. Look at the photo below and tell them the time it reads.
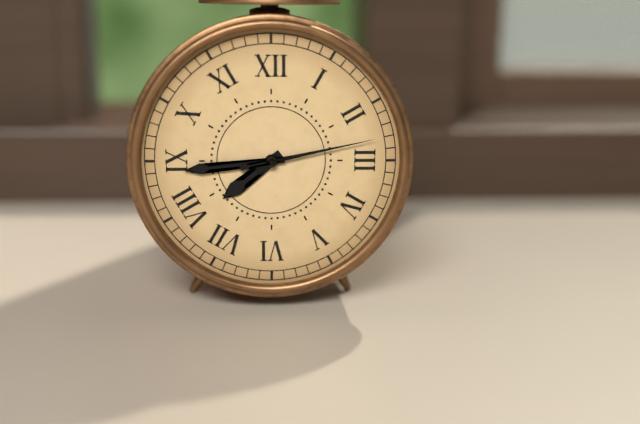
7:44:13
